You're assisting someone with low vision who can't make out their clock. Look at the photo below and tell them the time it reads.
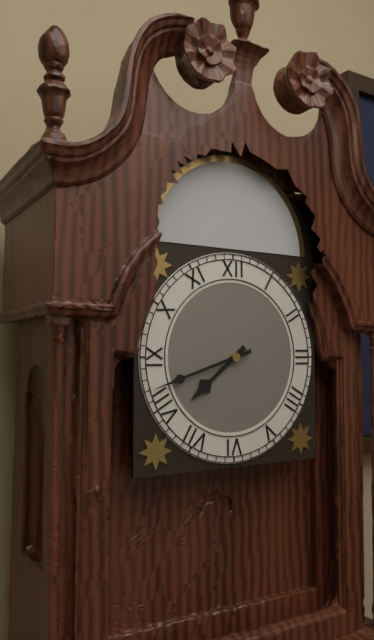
7:42
